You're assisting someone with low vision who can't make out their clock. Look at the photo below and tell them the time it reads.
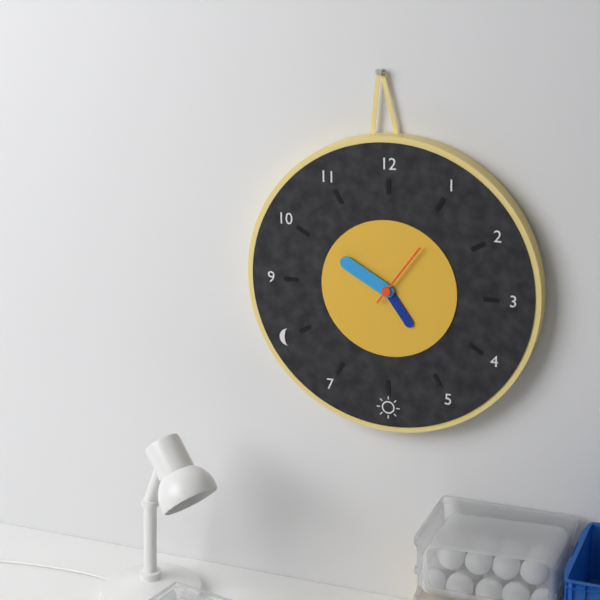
4:50:06
